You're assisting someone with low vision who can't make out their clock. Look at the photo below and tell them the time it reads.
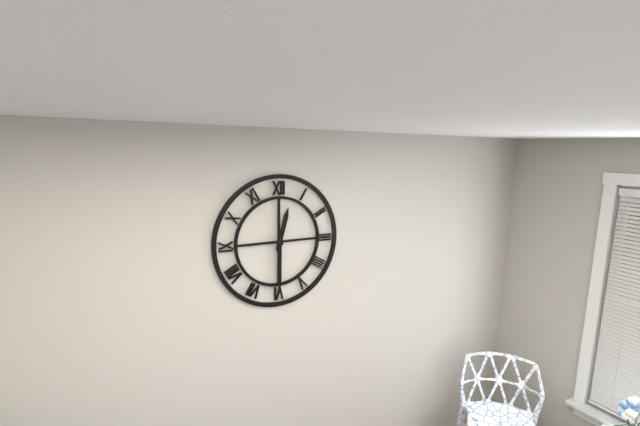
12:30
